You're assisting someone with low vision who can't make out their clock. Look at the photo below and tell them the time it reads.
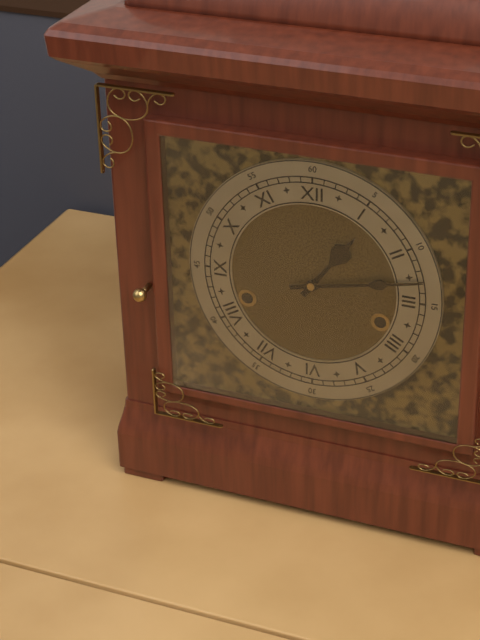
1:13
